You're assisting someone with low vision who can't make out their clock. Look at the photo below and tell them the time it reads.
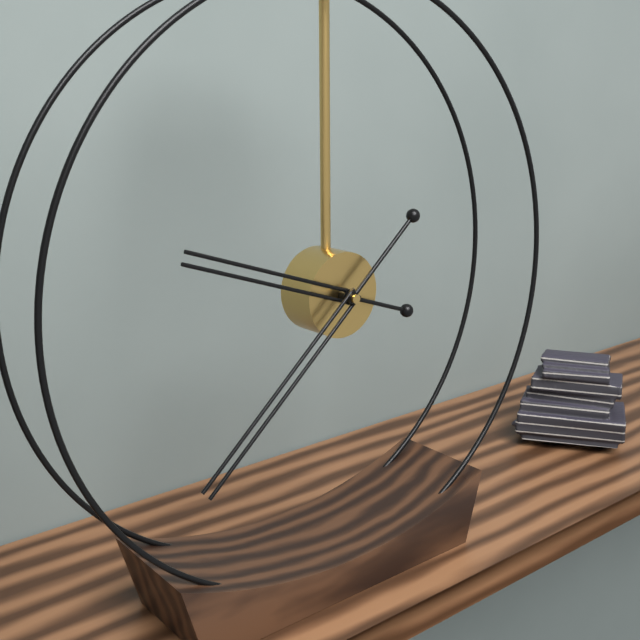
9:38
